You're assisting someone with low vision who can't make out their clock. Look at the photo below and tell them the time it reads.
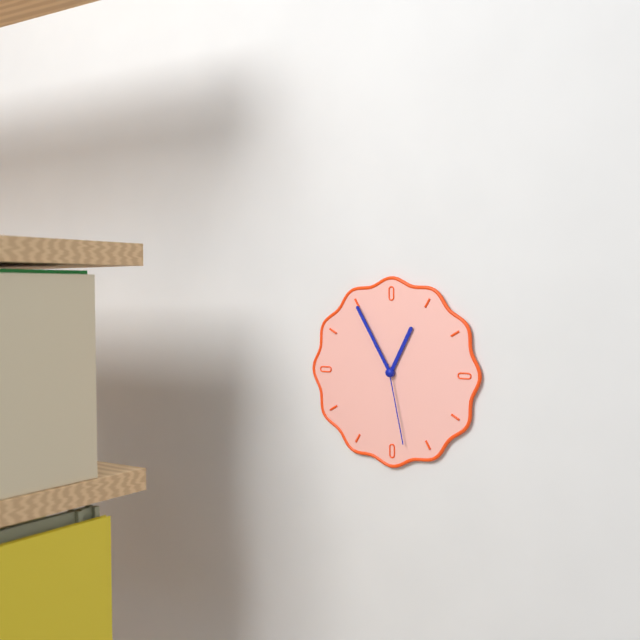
12:55:28
